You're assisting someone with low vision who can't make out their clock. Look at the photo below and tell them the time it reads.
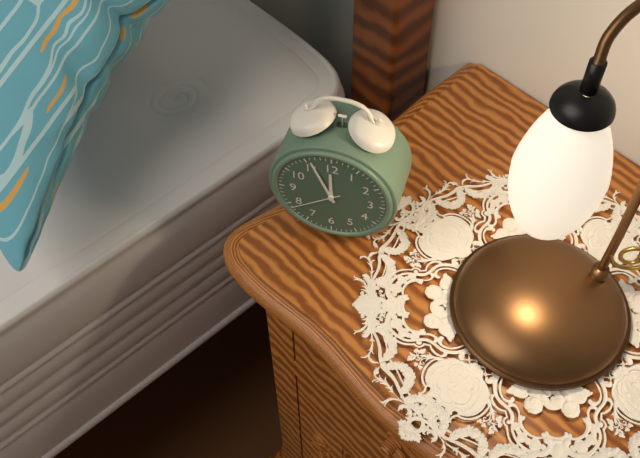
11:56:39
